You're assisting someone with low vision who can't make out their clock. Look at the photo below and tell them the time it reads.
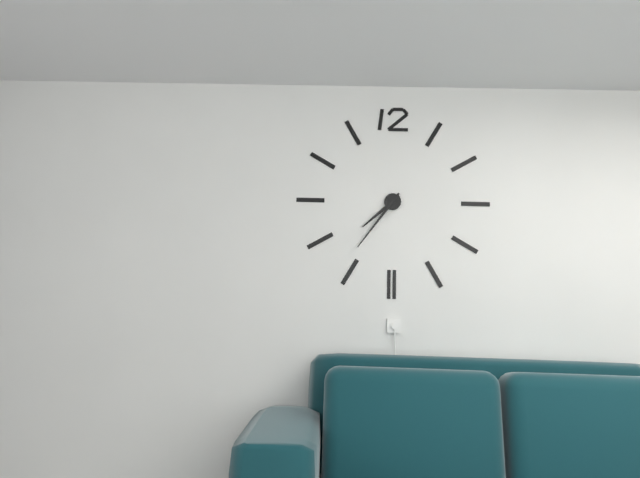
7:36
